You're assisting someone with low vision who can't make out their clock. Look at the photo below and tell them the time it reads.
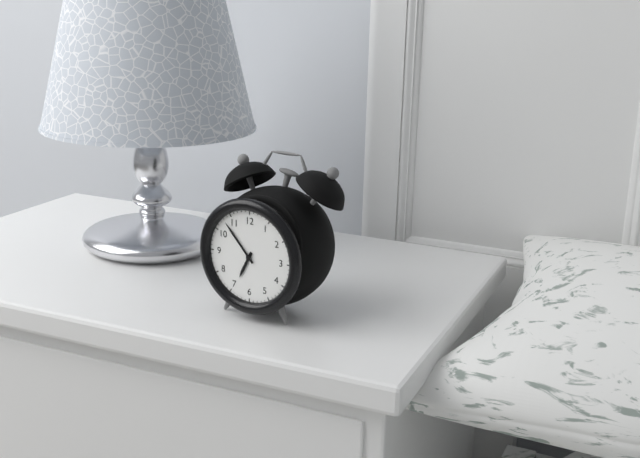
6:53
